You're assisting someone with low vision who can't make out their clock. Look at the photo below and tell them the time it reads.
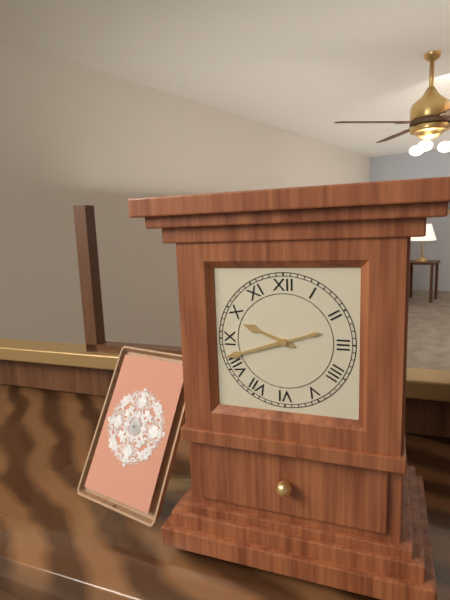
9:42
